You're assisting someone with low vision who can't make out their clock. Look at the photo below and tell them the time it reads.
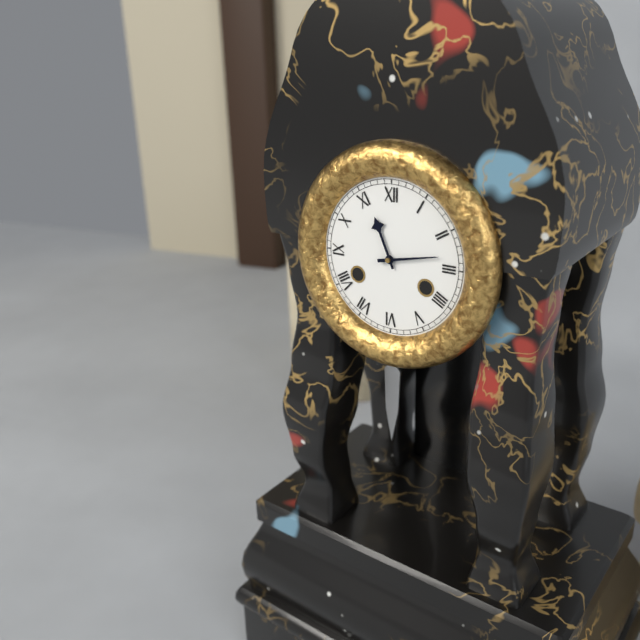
11:13
